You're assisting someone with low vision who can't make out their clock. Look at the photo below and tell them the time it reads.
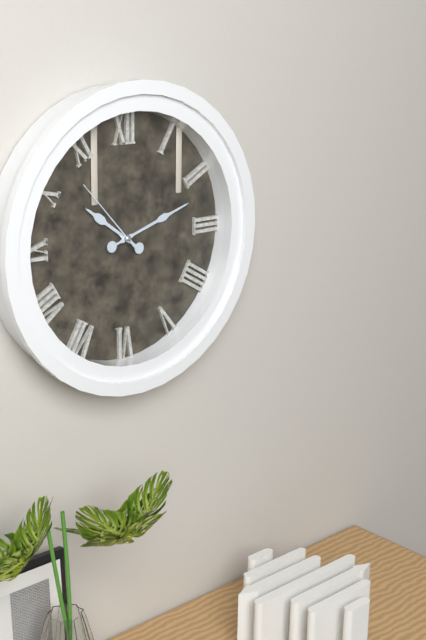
10:12:53
